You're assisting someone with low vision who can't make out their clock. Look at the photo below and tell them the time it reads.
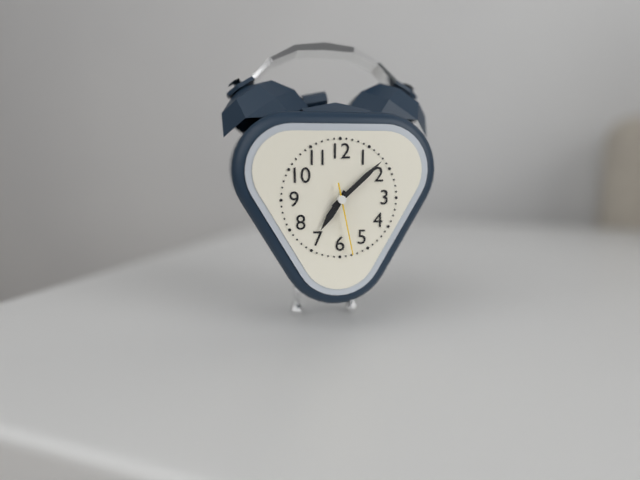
7:08:28
